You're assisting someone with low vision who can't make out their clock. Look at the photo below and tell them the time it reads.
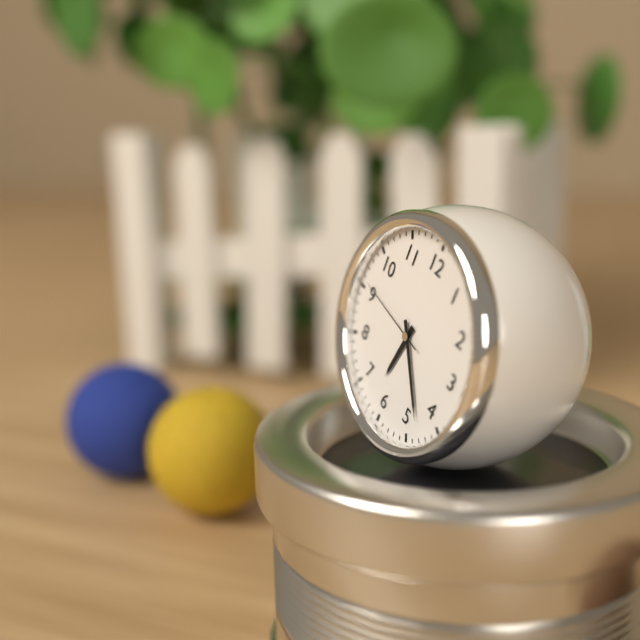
6:23:46
